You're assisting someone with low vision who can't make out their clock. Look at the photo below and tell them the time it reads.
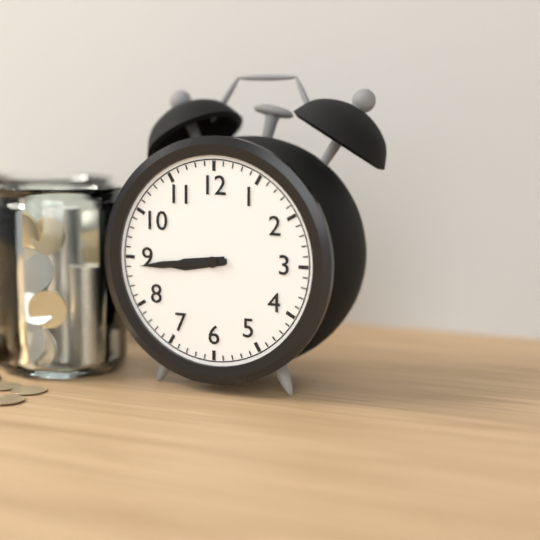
8:44
